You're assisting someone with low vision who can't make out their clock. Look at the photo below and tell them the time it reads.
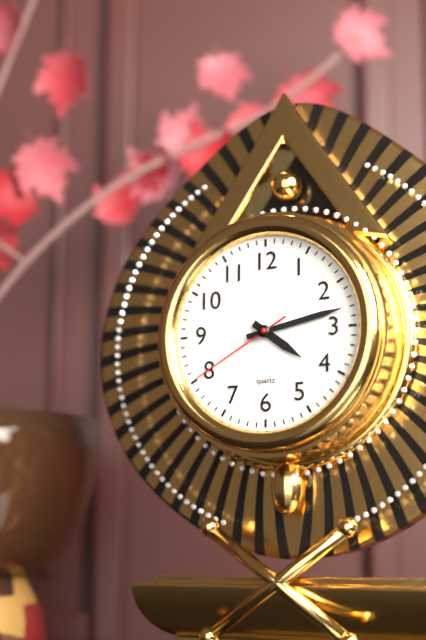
4:13:40
